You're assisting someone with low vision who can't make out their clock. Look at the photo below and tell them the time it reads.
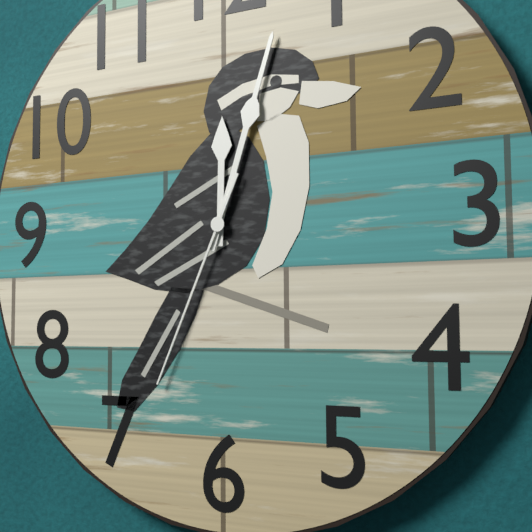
12:03:34
